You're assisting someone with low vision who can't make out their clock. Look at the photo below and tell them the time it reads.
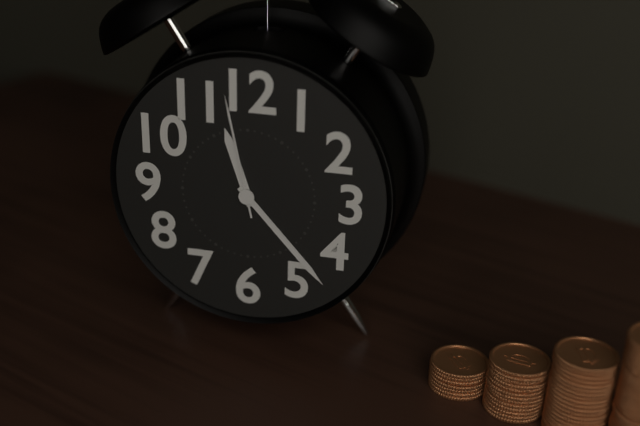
11:23:58
